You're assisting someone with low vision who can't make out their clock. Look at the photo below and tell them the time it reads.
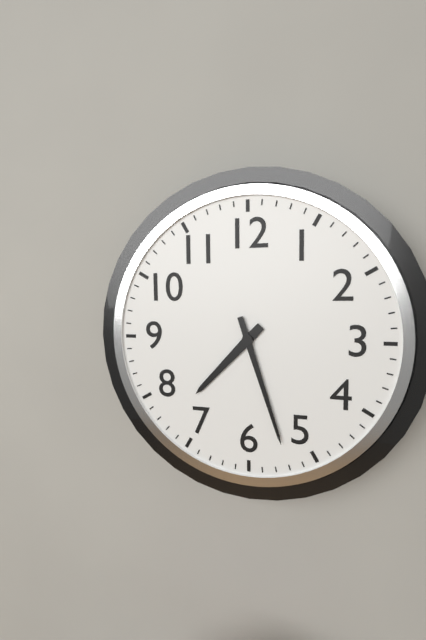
7:27
